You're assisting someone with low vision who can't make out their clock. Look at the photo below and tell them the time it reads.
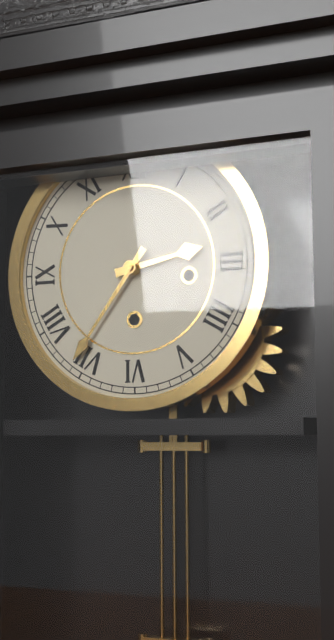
2:36
